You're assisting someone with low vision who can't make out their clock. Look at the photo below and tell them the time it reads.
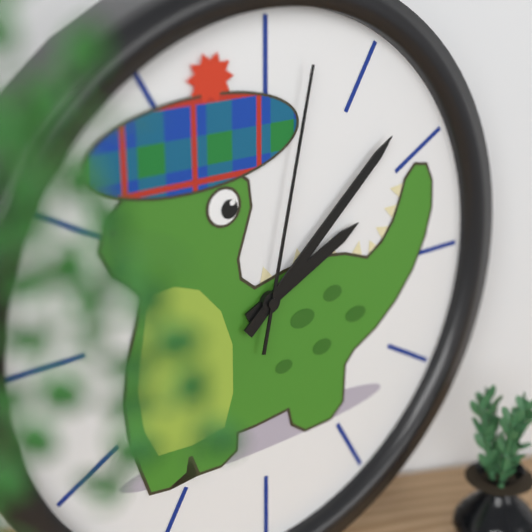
2:08:02
